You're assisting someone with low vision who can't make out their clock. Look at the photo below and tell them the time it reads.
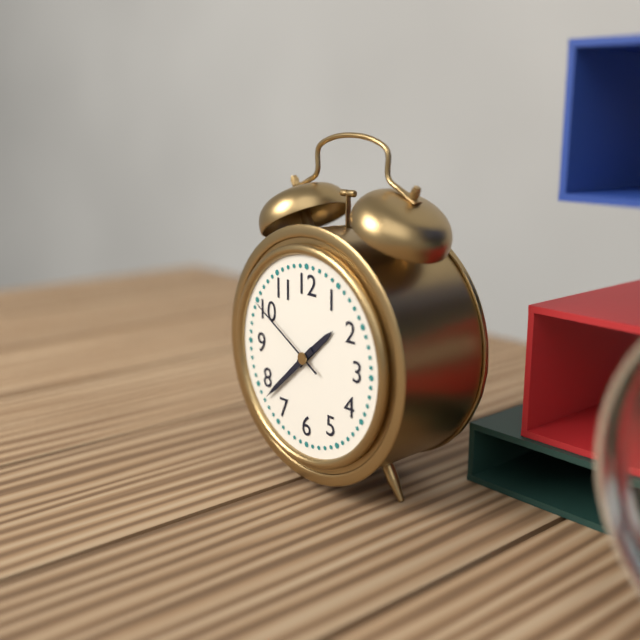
1:38:50
